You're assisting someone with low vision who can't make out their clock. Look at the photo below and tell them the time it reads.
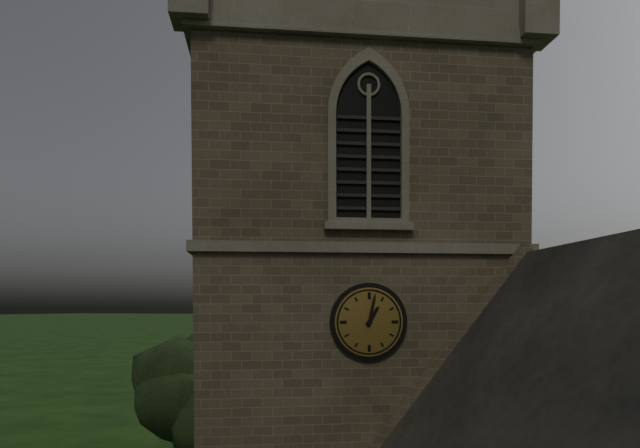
1:02
